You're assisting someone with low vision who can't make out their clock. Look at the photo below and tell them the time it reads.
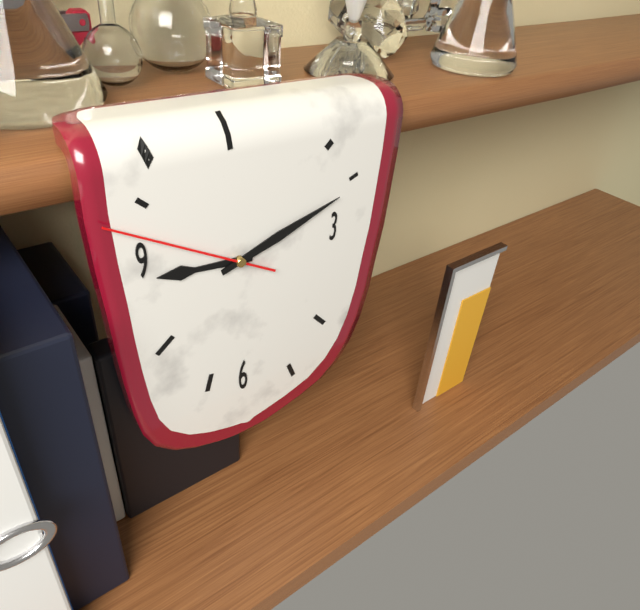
9:12:50
